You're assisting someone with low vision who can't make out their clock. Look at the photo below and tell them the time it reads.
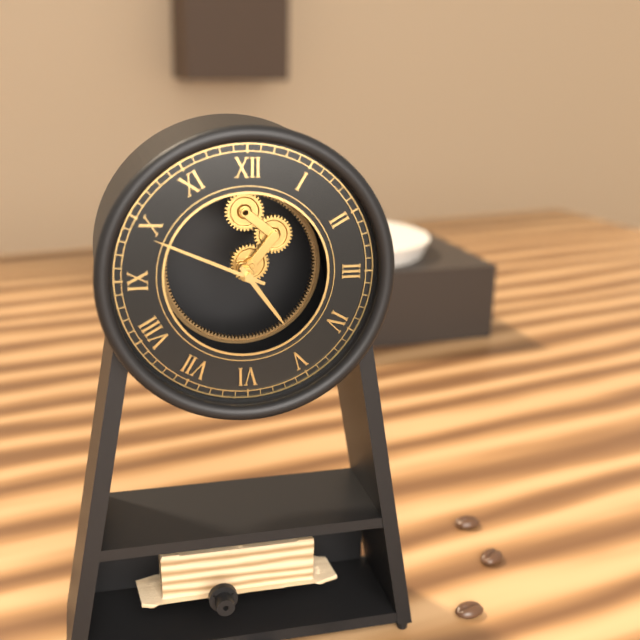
4:49
